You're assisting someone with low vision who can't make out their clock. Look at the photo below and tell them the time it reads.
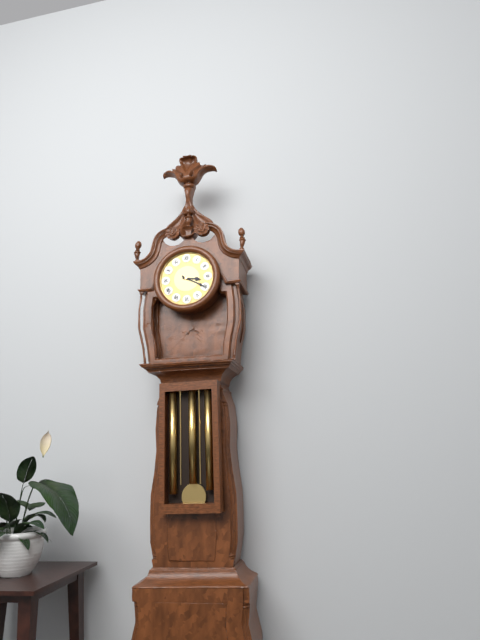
3:20
